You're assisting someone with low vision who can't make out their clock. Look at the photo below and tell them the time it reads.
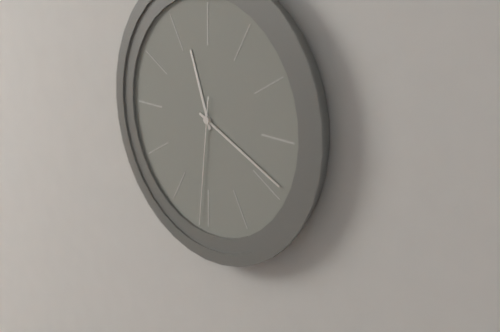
11:19:31
